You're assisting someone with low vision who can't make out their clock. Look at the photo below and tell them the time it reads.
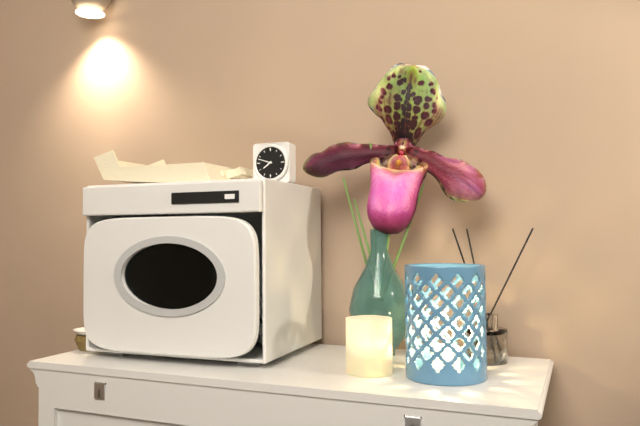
7:48
